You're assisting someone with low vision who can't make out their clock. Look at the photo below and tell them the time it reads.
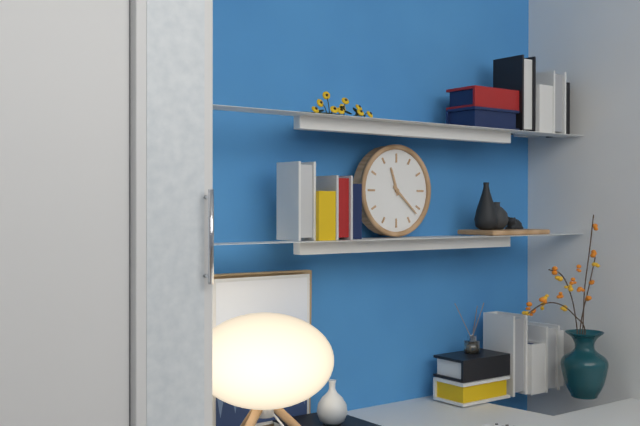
11:22
